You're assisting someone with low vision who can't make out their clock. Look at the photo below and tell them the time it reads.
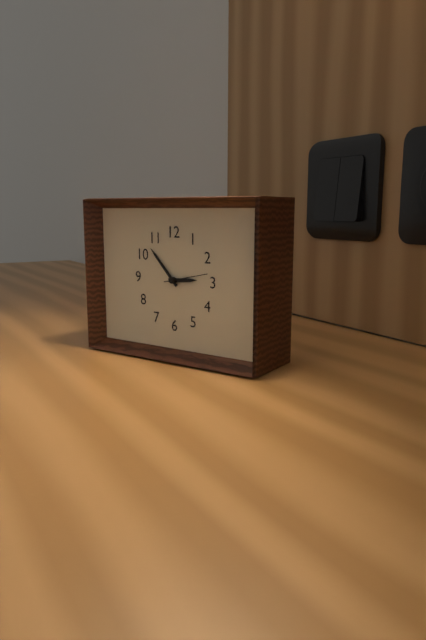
2:53
